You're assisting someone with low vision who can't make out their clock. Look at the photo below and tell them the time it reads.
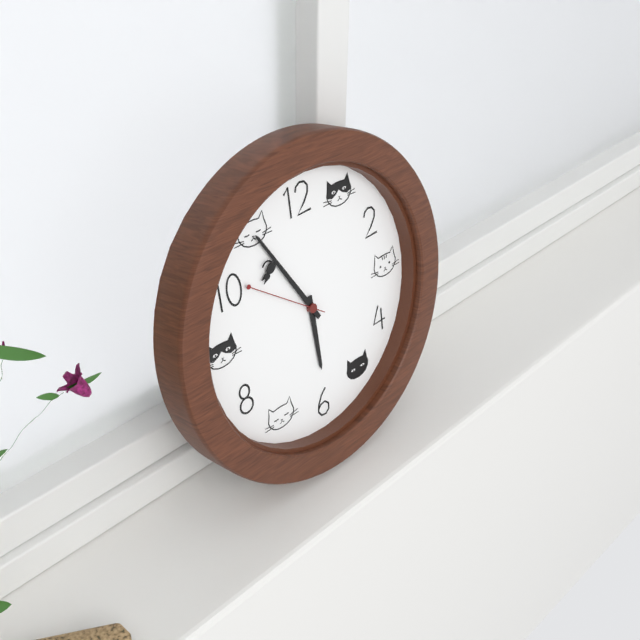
5:55:51
